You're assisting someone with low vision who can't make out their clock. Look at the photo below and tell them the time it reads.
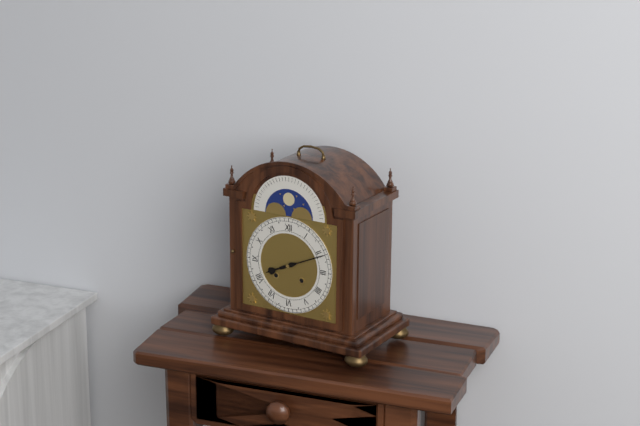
8:11
